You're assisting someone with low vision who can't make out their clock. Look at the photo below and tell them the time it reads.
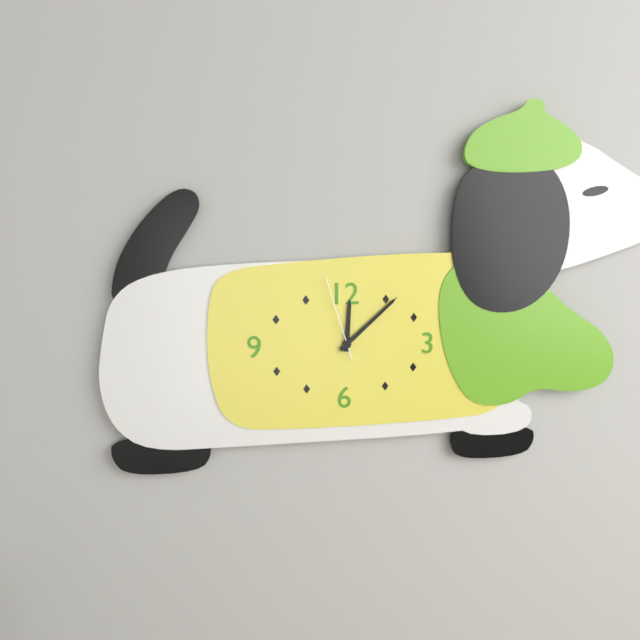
12:08:57
